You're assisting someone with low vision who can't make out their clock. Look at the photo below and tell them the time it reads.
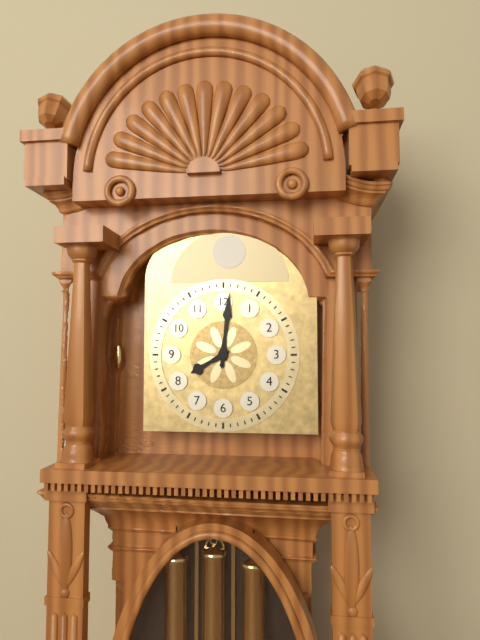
8:01
